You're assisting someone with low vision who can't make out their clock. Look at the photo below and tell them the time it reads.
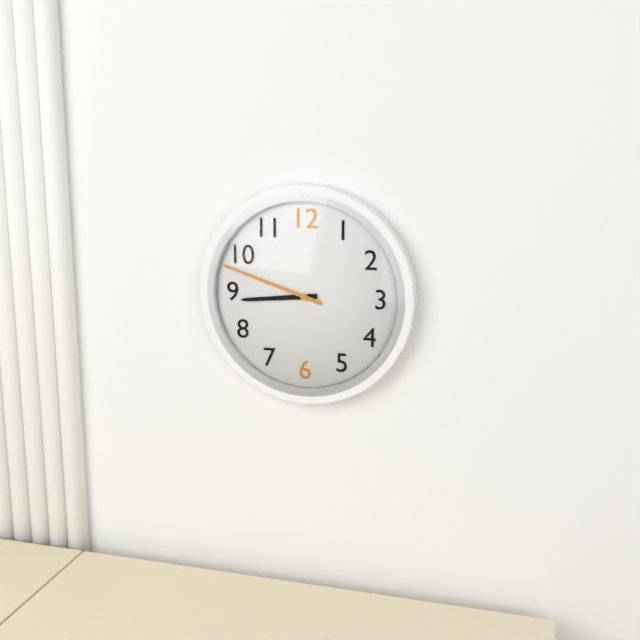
8:48
